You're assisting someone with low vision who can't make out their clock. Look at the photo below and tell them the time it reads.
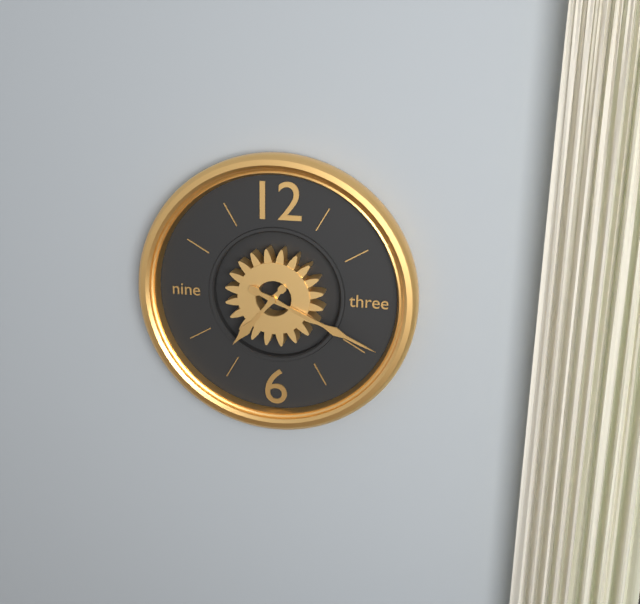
7:19
